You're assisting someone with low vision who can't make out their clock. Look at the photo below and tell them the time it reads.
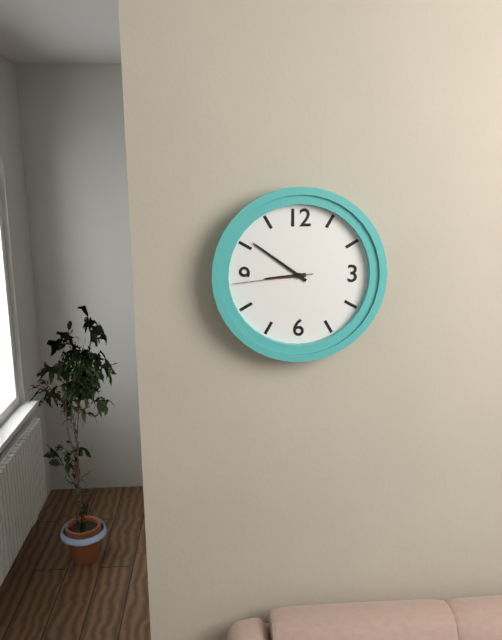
8:51:44
